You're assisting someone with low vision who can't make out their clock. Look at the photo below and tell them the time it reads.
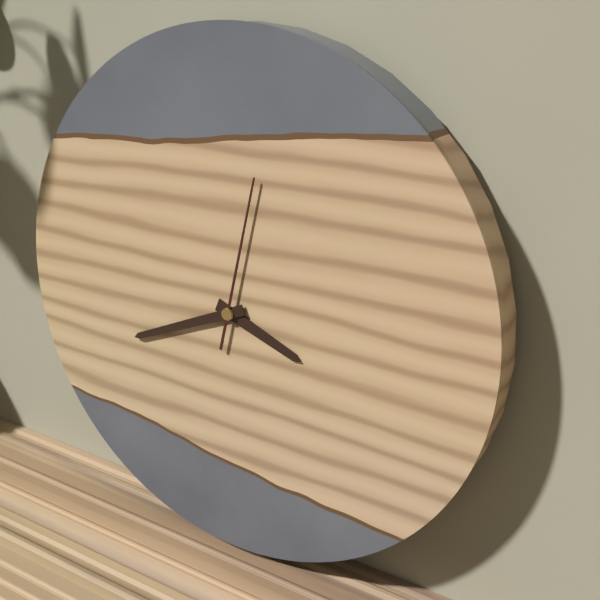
3:41:02
